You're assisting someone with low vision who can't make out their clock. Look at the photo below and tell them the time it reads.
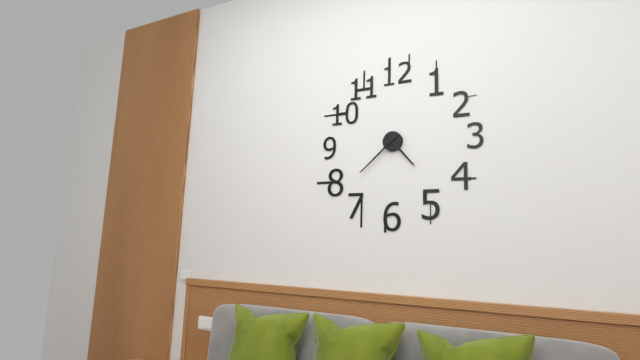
4:38
